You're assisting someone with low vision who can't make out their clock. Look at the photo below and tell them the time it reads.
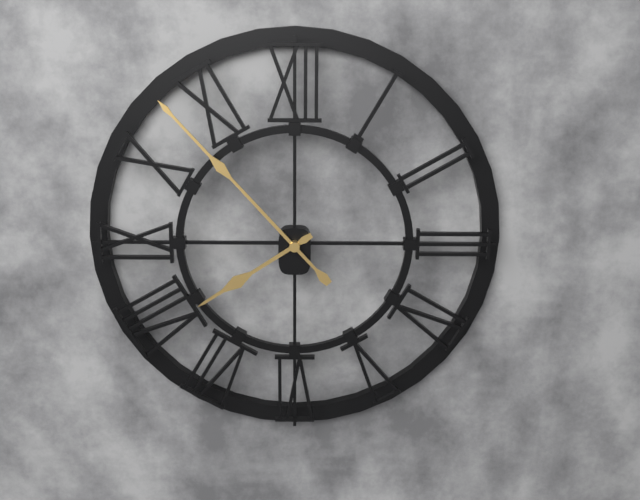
7:53
